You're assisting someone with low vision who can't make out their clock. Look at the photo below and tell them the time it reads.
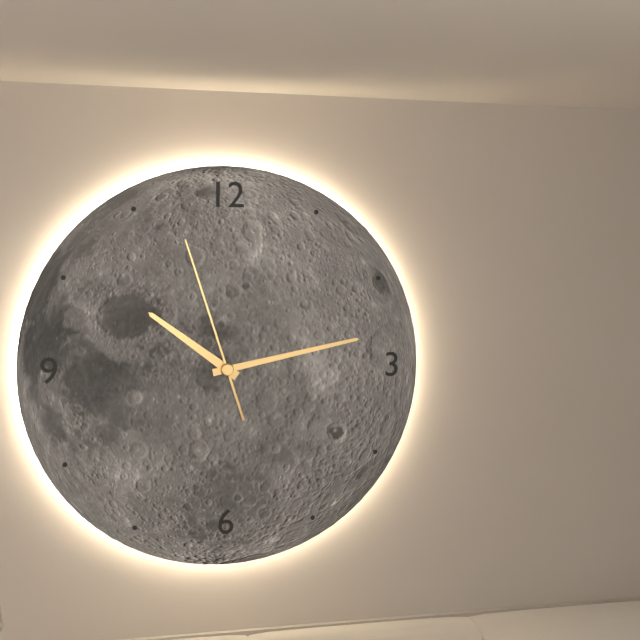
10:13:57
